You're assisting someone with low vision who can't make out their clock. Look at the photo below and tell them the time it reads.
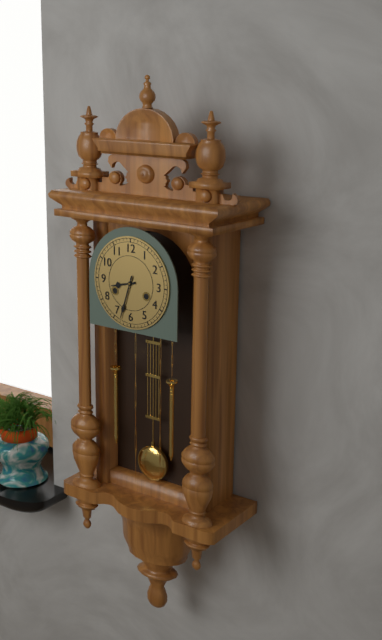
8:33
